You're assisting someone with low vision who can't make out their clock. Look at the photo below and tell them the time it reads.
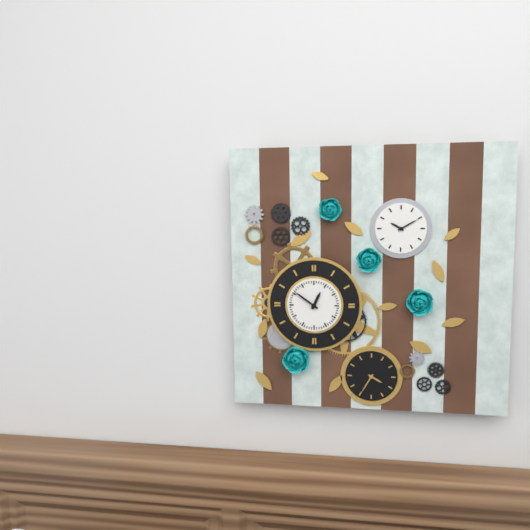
12:51
